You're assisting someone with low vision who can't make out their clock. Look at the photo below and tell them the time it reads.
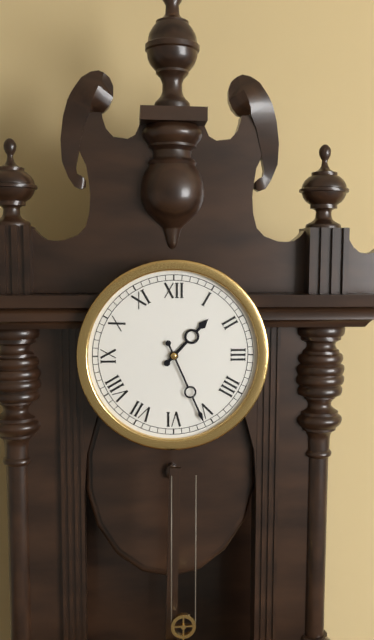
1:26
